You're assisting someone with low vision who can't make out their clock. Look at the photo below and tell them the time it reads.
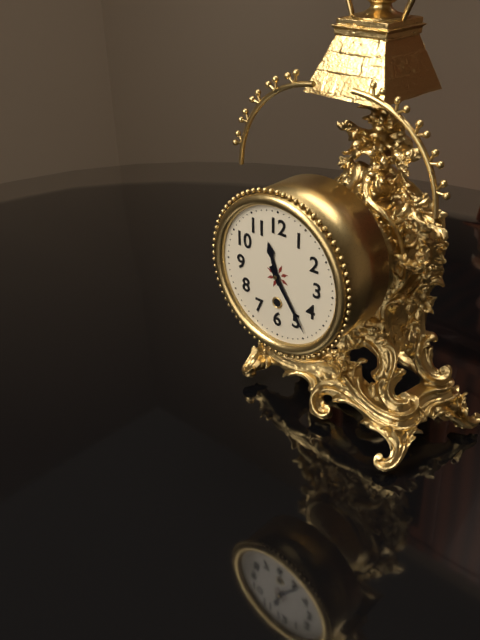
11:24
